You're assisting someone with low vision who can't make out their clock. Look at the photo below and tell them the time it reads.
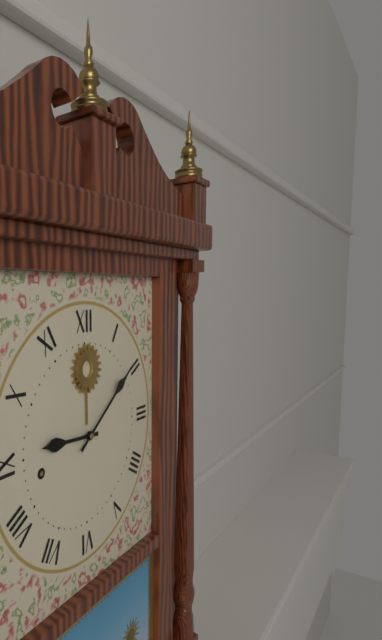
9:09
